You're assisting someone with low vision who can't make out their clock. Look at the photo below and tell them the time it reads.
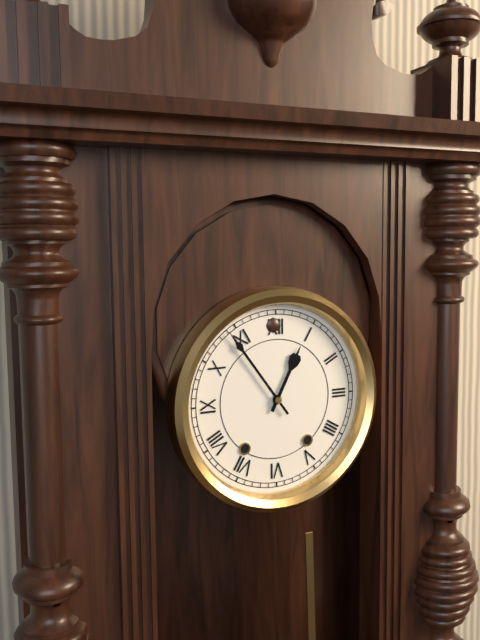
12:54
